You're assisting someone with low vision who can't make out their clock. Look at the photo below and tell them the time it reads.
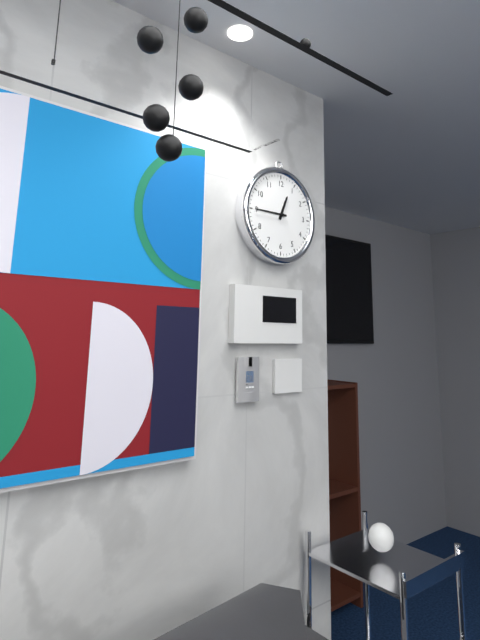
12:45
